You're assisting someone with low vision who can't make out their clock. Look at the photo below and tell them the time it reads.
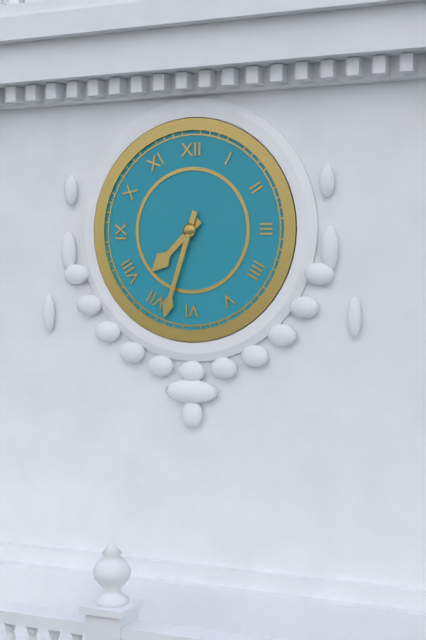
7:33
